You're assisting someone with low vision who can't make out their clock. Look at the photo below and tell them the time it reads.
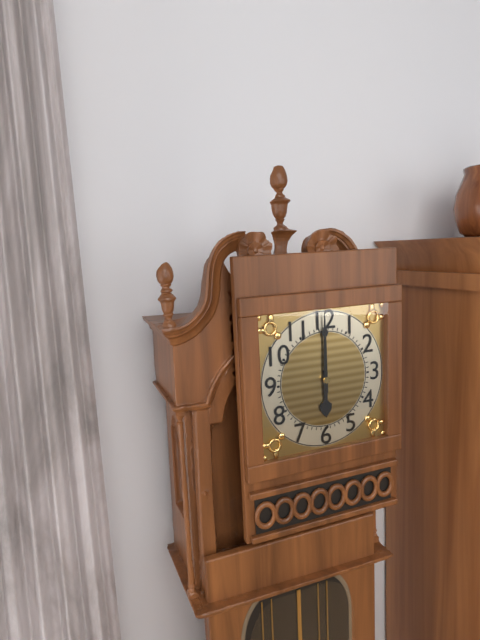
6:00
